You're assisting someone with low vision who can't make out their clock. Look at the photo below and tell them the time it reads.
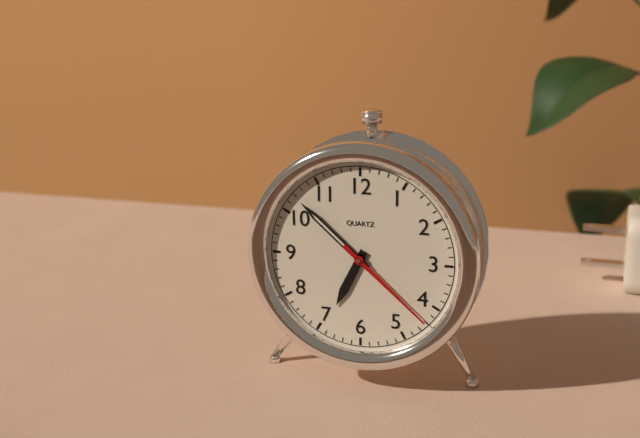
6:52:22
